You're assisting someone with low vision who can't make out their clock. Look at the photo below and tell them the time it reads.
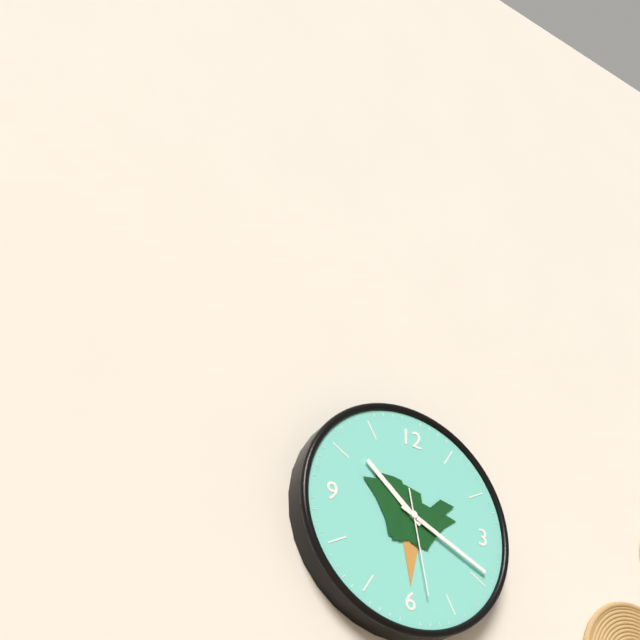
10:19:28
